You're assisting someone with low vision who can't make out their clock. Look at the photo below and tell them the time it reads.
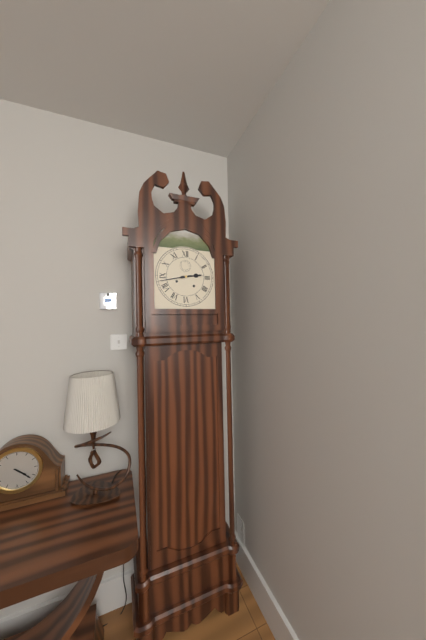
2:43
